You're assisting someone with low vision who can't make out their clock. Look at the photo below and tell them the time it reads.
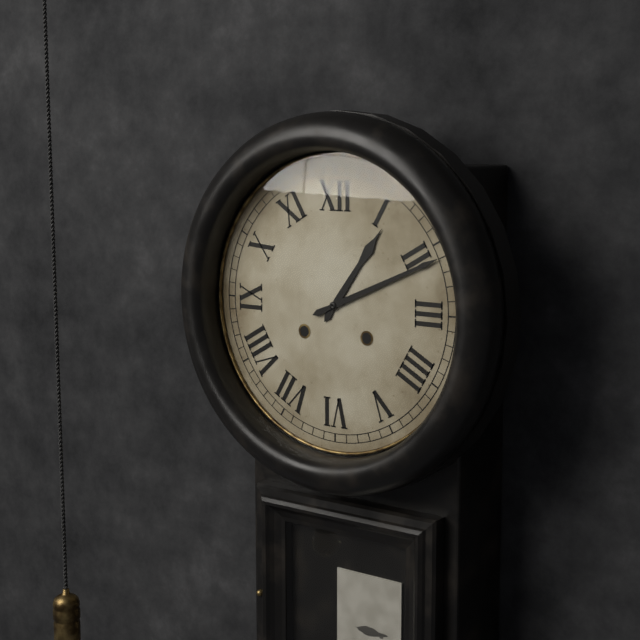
1:11
